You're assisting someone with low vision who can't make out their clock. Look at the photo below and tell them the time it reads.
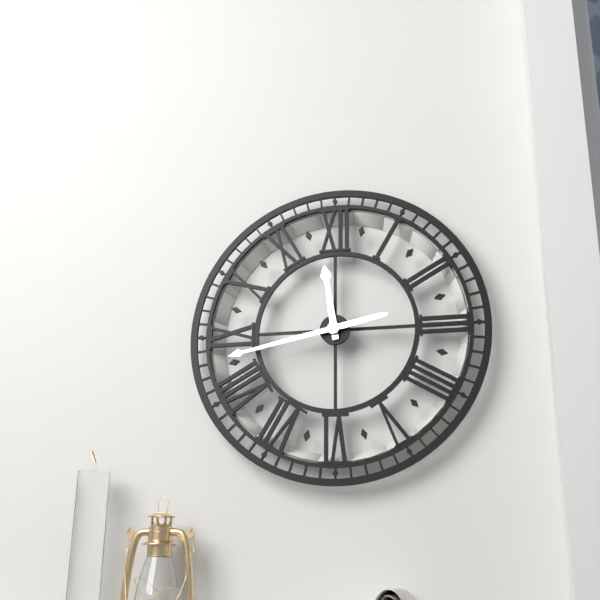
11:43
